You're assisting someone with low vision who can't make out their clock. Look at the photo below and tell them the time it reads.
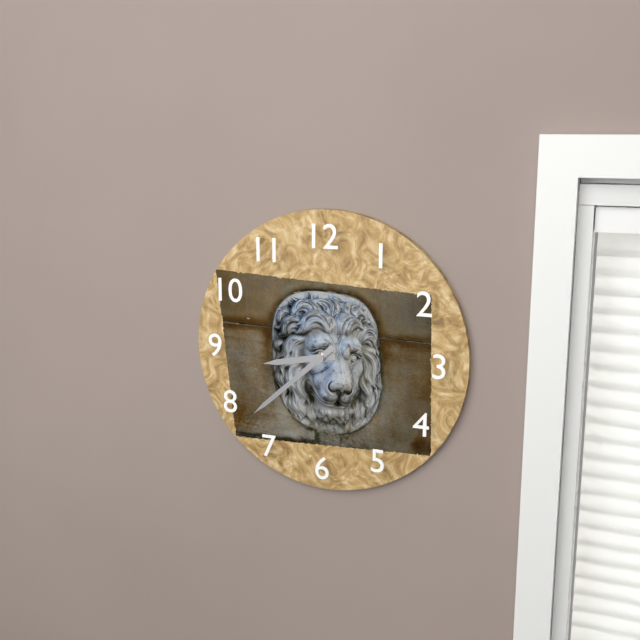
8:38
